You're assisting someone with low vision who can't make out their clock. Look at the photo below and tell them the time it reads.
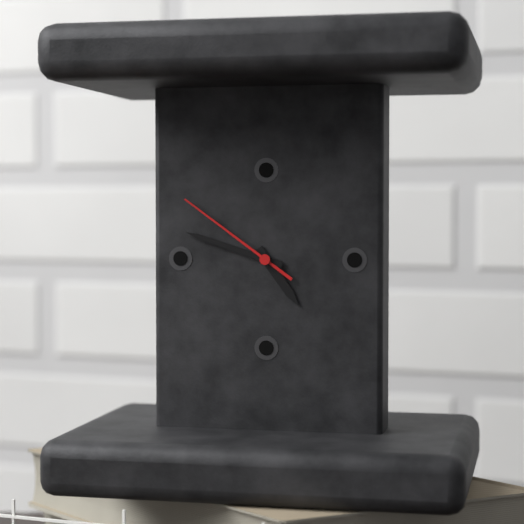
4:48:51
